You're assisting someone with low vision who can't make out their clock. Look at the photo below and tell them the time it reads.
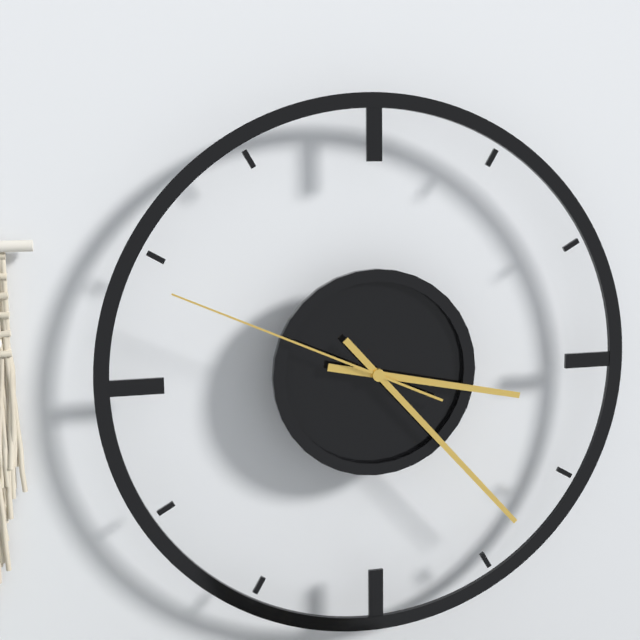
3:23:49
